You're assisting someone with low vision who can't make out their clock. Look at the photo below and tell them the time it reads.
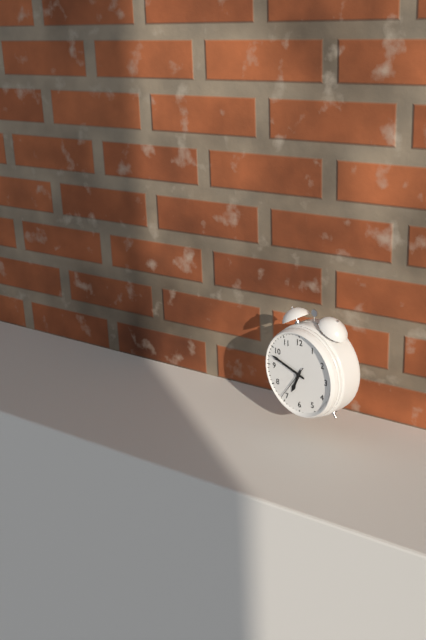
6:48
